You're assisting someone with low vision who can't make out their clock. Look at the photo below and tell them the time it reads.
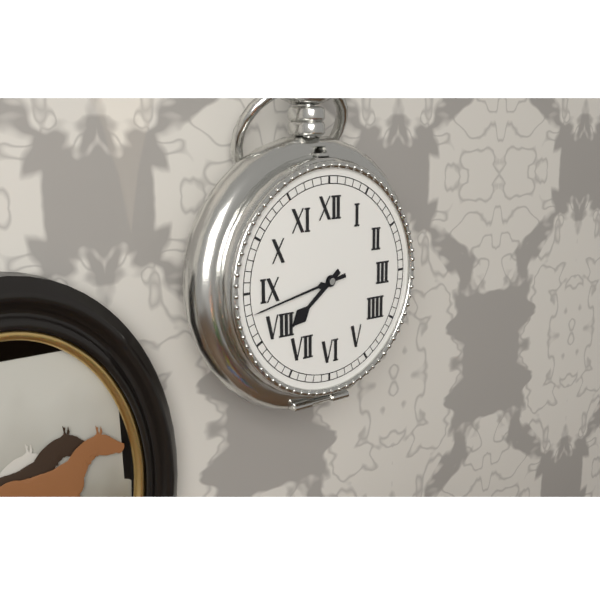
7:43
